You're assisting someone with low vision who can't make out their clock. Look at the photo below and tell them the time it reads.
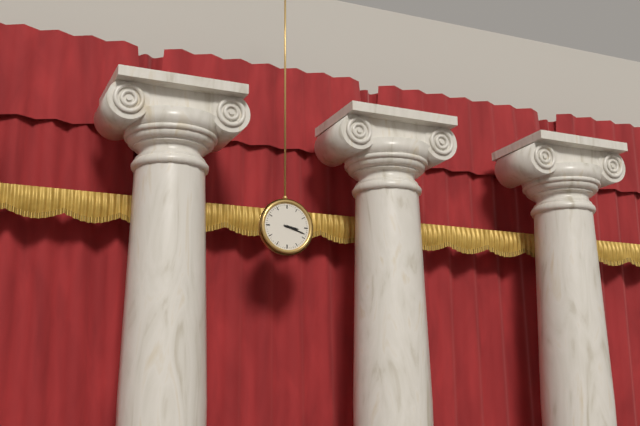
3:18
